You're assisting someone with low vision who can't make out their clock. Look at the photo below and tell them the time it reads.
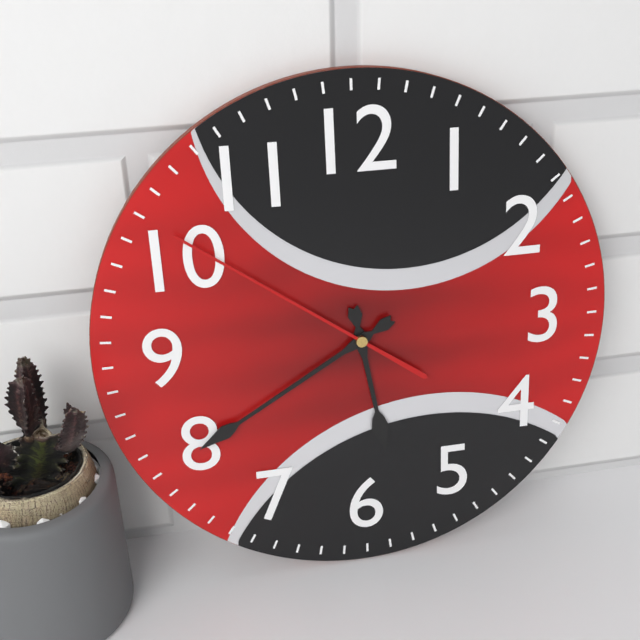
5:40:51
